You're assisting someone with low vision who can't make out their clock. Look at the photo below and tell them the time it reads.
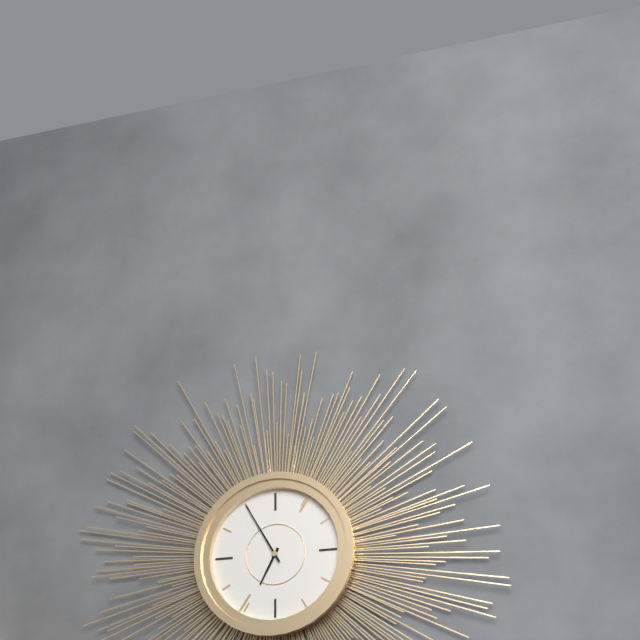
6:55
